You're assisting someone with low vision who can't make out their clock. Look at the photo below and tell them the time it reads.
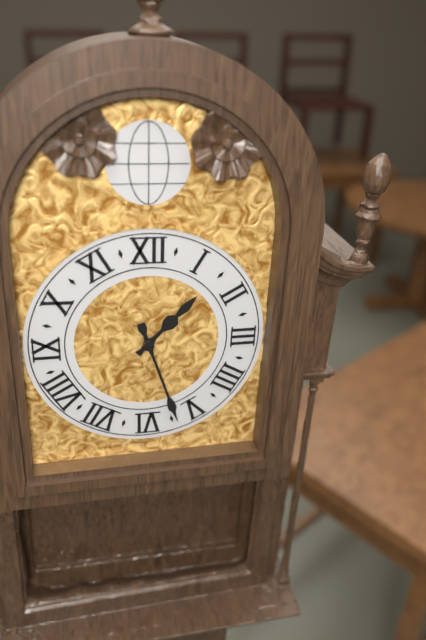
1:27
